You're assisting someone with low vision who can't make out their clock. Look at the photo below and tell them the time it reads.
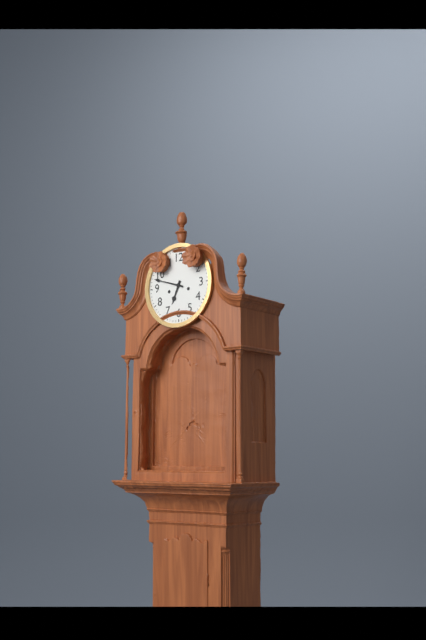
6:48
